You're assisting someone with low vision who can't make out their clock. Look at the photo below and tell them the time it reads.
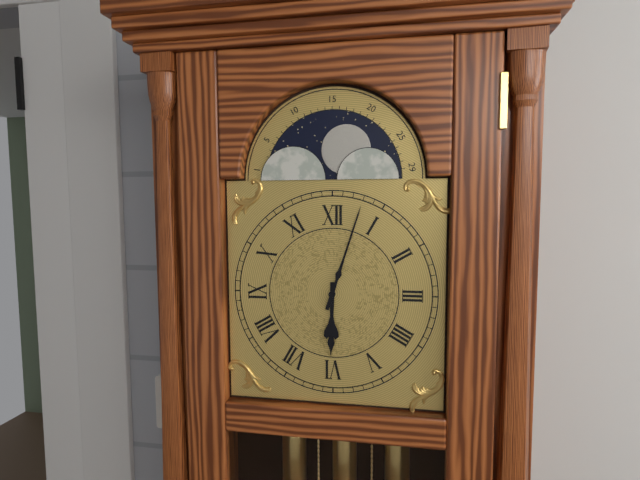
6:03
